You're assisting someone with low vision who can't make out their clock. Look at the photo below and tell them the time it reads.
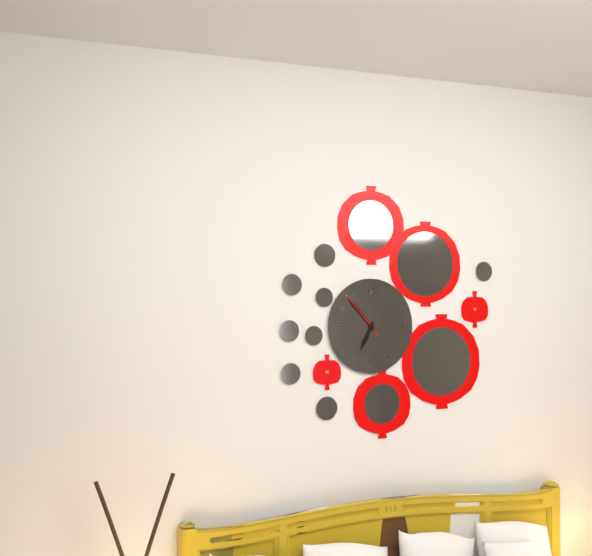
6:53
